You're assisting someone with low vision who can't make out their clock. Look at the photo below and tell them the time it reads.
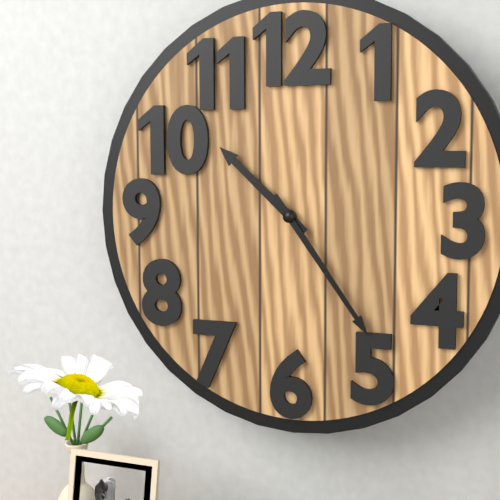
10:24
